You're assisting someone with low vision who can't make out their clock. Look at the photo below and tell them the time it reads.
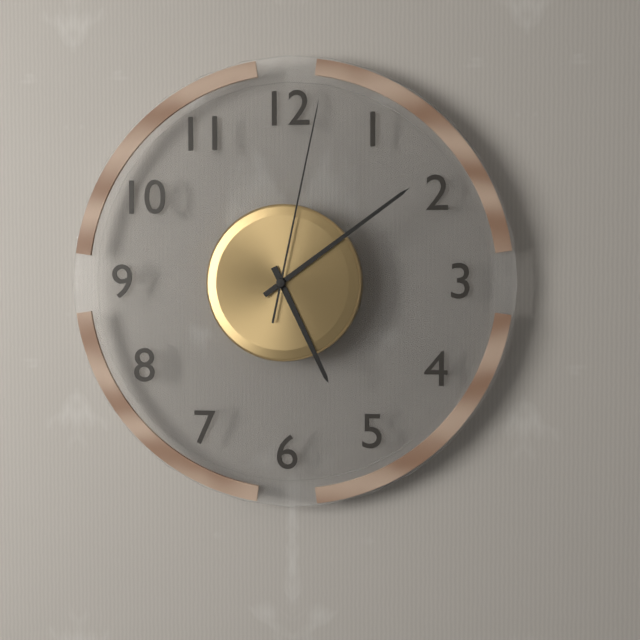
5:09:02
